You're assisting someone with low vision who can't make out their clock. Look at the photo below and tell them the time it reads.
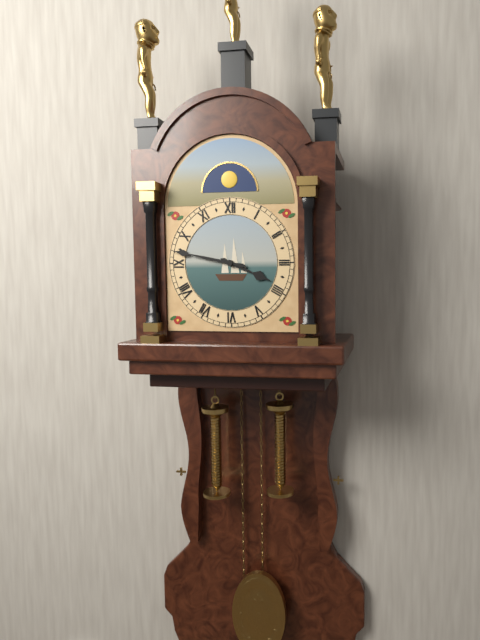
3:47
